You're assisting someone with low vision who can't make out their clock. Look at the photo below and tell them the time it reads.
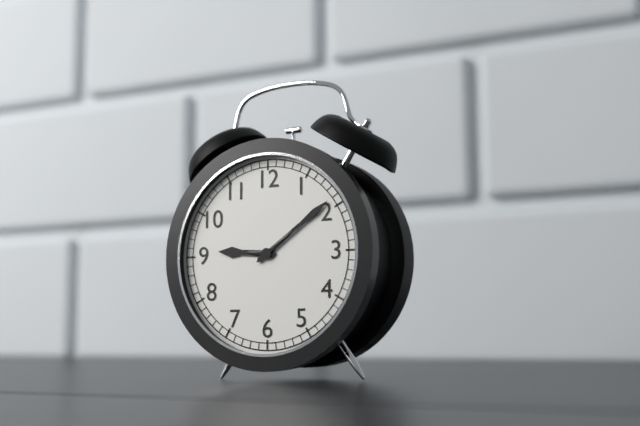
9:09
